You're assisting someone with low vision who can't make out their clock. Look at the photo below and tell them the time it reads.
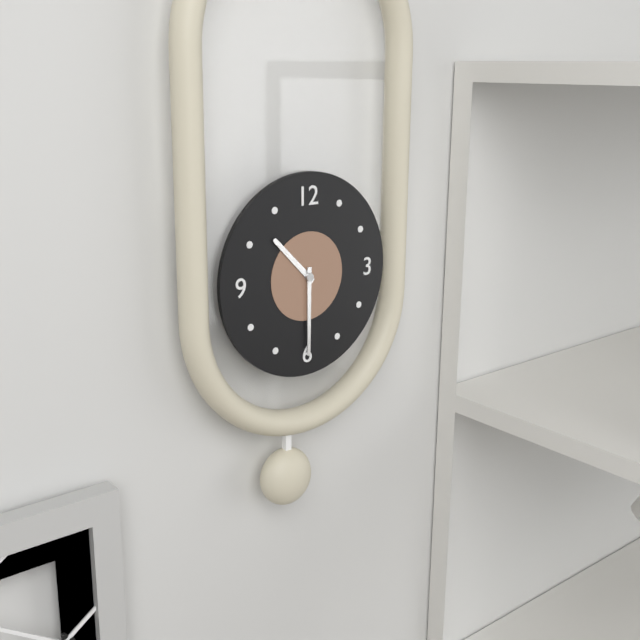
10:30
